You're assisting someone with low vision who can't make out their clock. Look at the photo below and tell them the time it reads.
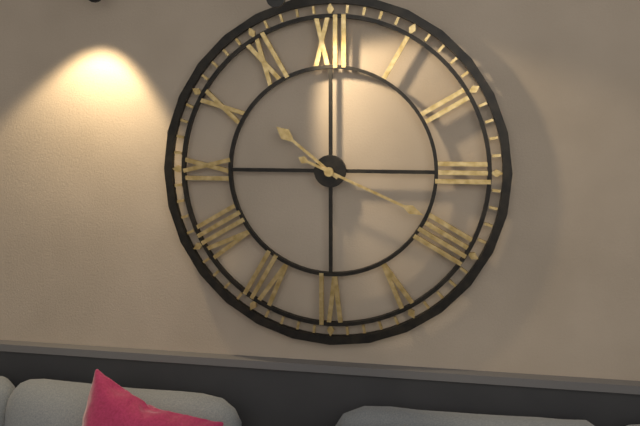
10:19
